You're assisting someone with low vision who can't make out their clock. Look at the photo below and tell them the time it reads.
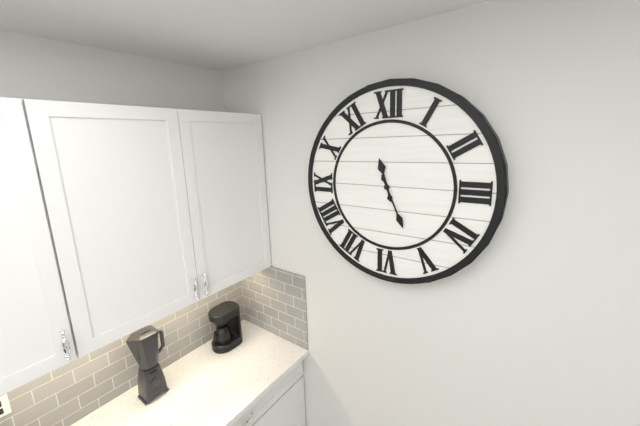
11:26
